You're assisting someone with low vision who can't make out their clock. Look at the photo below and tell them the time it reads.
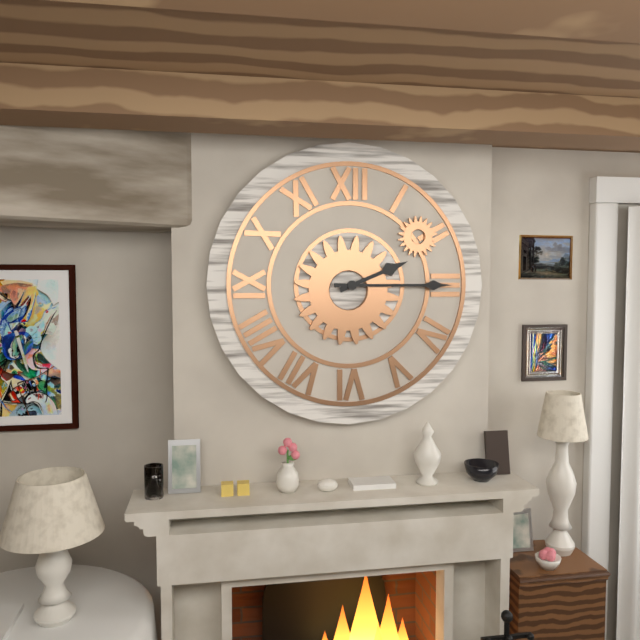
2:15
